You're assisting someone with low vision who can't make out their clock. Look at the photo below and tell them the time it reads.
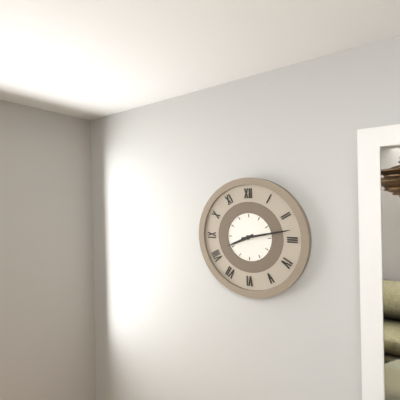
8:13
